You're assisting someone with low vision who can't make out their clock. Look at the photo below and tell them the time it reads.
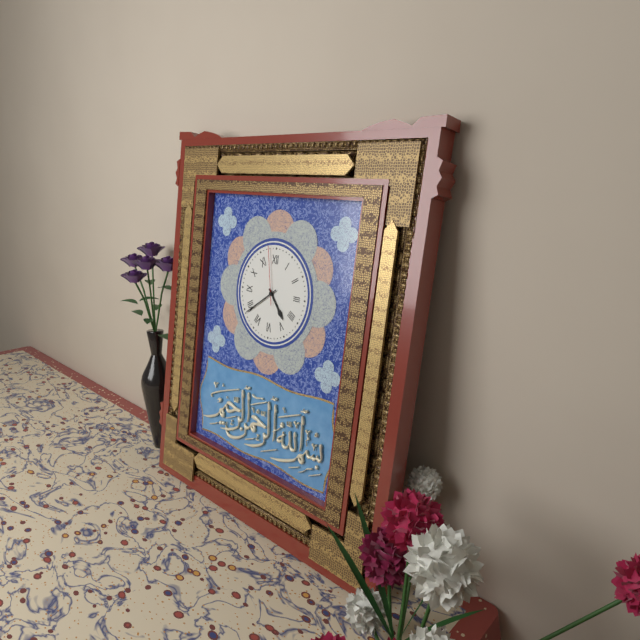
4:39:58
